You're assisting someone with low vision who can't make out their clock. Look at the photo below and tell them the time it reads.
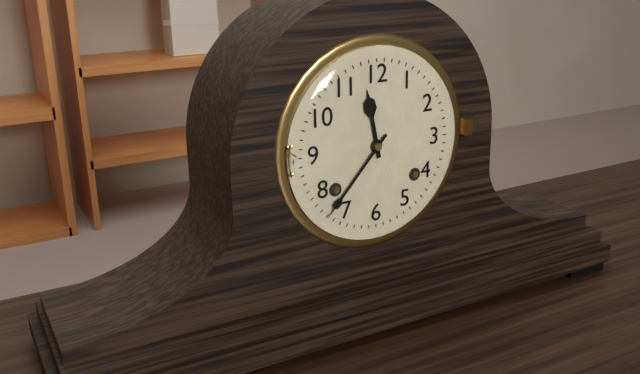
11:37
